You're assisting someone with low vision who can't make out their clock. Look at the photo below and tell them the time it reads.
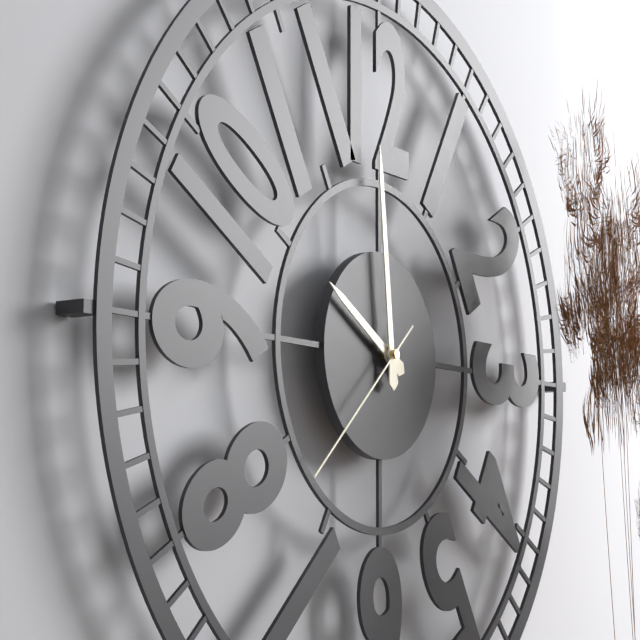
9:59:38
